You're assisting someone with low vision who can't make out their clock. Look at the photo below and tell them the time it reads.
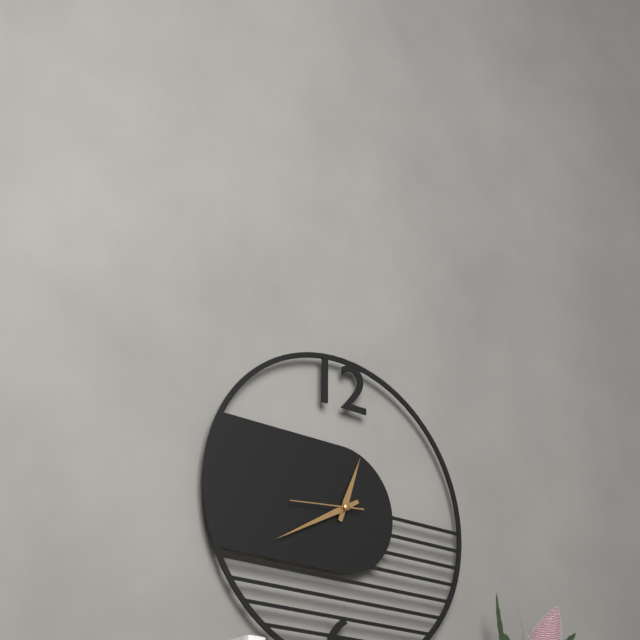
12:40:44
